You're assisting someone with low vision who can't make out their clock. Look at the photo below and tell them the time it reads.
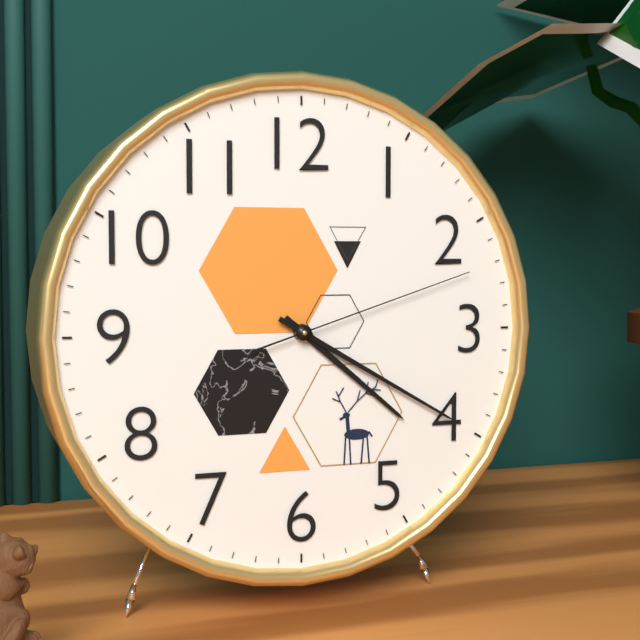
4:20:12
